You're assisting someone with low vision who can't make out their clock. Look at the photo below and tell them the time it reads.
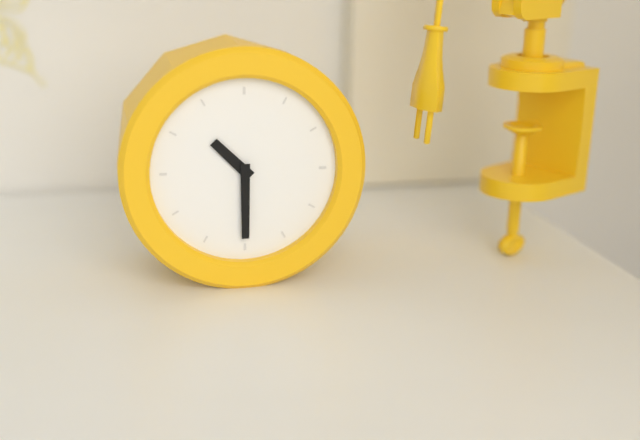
10:30
